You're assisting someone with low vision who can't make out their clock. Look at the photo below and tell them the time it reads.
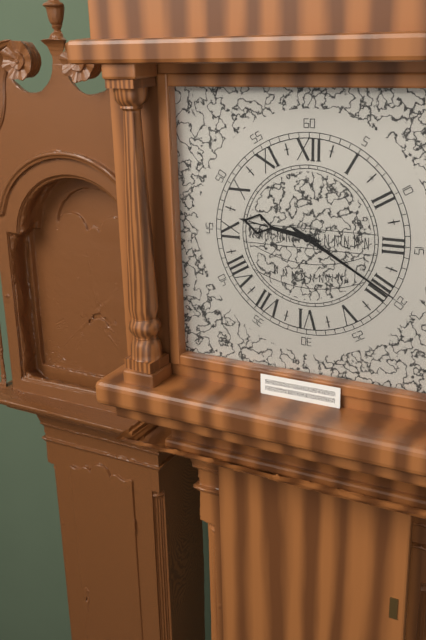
9:20
